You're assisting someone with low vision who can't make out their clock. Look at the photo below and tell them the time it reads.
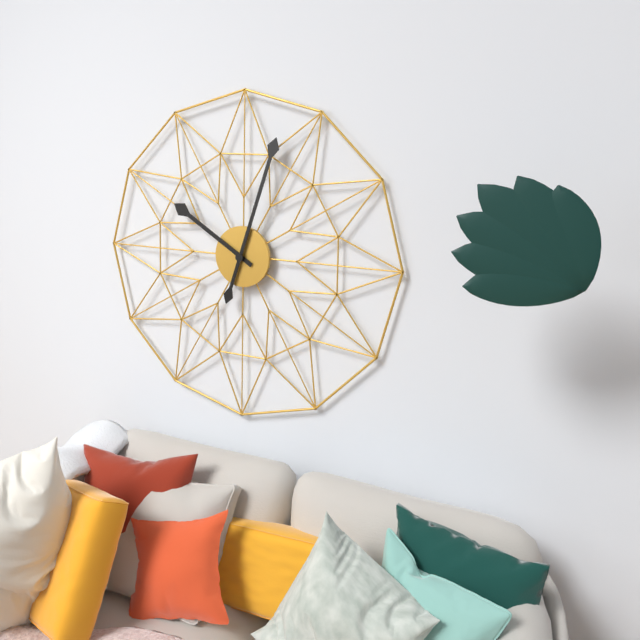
10:03
